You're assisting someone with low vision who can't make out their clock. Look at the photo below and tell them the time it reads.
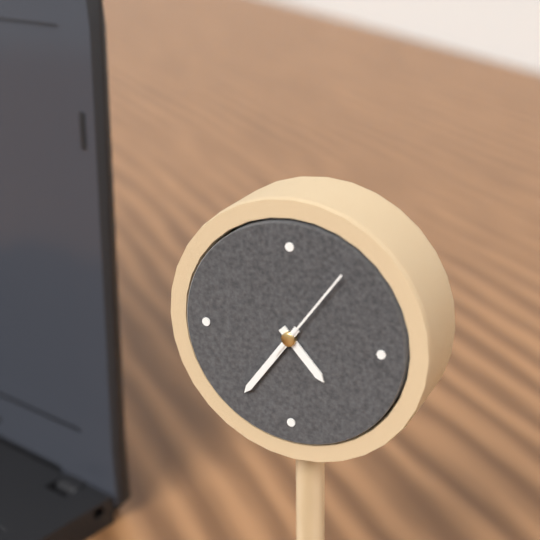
4:36:06
